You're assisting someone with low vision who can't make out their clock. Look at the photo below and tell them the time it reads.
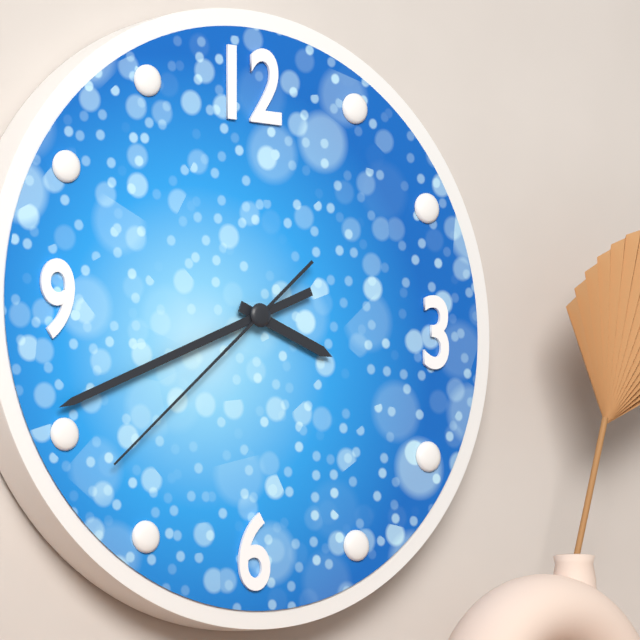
3:41:38
